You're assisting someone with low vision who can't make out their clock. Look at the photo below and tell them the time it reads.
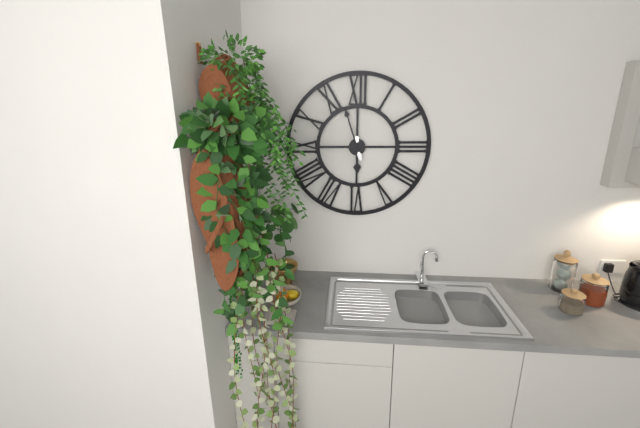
5:57
